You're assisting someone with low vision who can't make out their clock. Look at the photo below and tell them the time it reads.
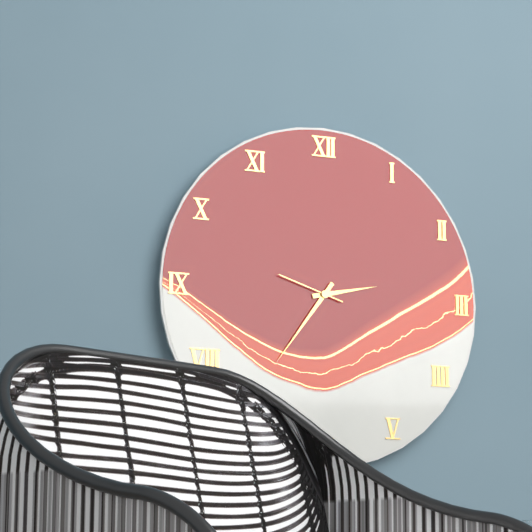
2:36:48
